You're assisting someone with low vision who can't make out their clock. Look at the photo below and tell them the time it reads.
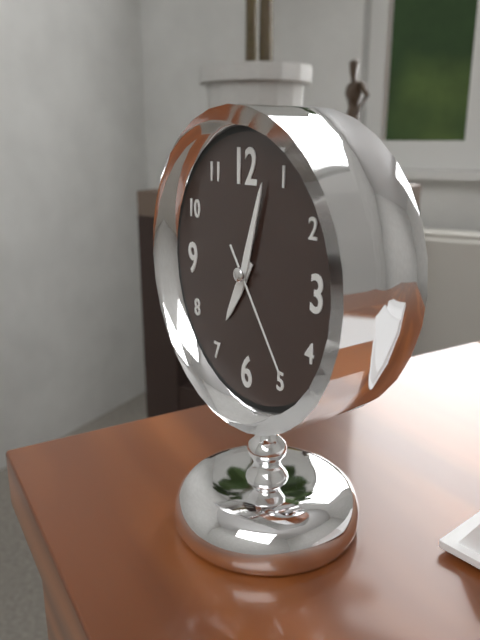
7:03:24
